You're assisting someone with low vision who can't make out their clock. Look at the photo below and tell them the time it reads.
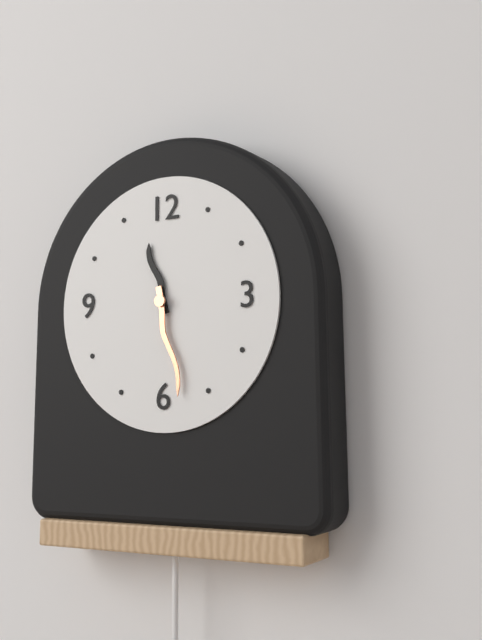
11:28
